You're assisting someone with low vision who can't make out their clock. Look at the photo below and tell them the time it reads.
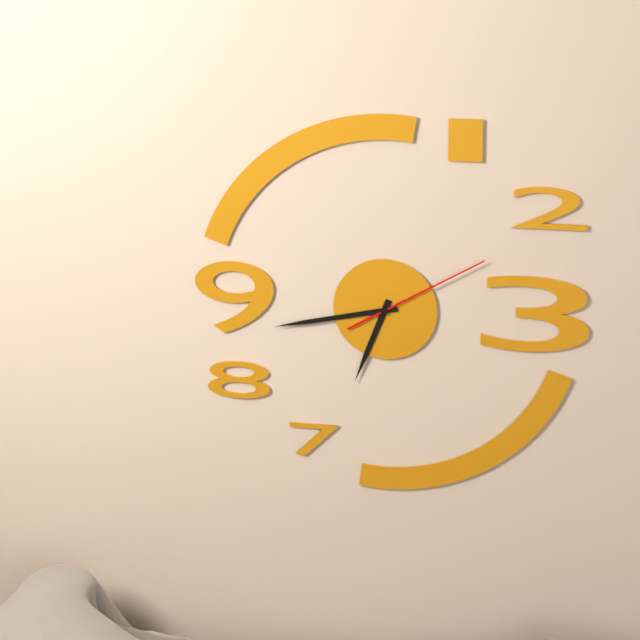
6:43:10
